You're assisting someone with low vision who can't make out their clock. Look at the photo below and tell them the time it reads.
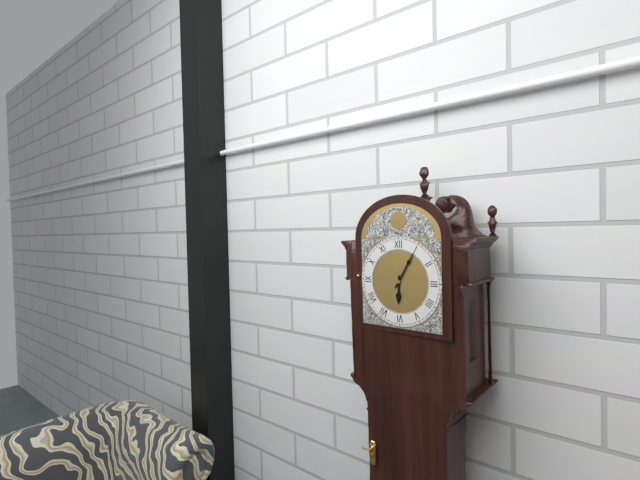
6:05
